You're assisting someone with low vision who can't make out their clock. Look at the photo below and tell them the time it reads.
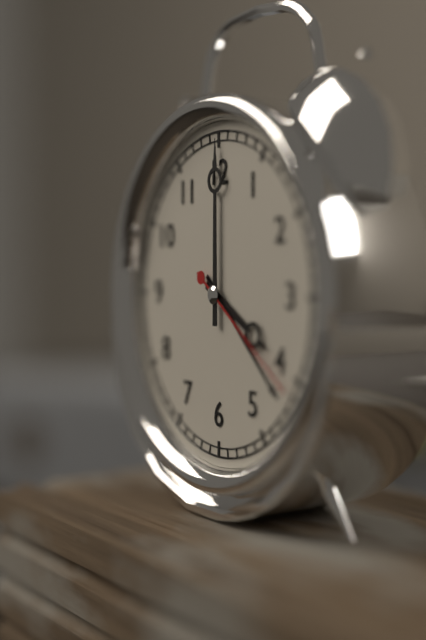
4:00:21
